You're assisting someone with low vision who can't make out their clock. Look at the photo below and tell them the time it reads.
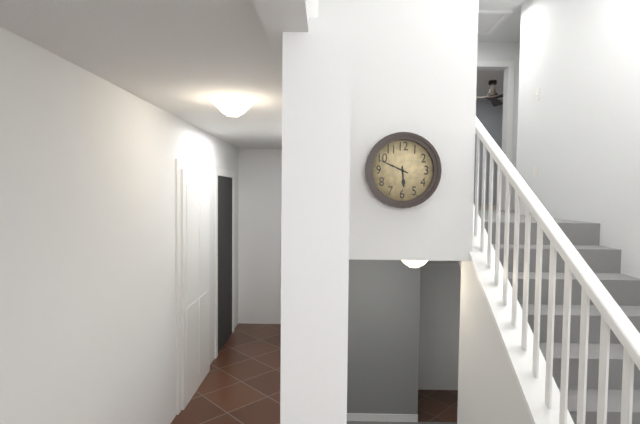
5:49
